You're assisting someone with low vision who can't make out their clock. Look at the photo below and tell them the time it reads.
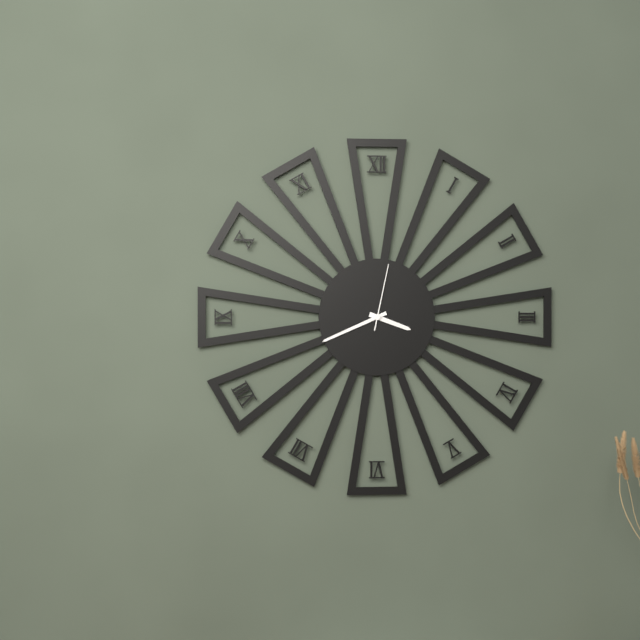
3:41:02
